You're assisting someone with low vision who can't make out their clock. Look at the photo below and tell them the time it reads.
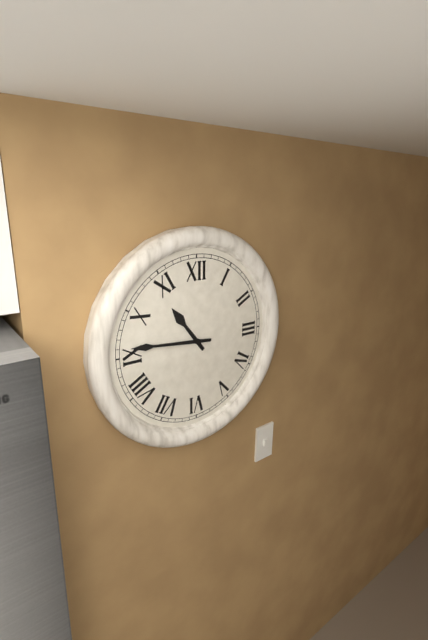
10:46
